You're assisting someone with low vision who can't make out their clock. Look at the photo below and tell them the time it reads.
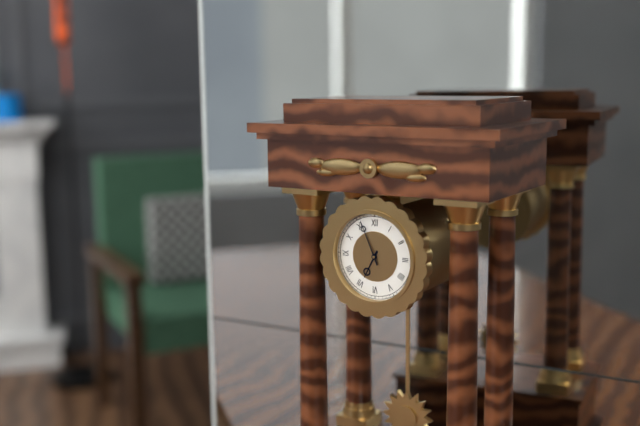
6:56
